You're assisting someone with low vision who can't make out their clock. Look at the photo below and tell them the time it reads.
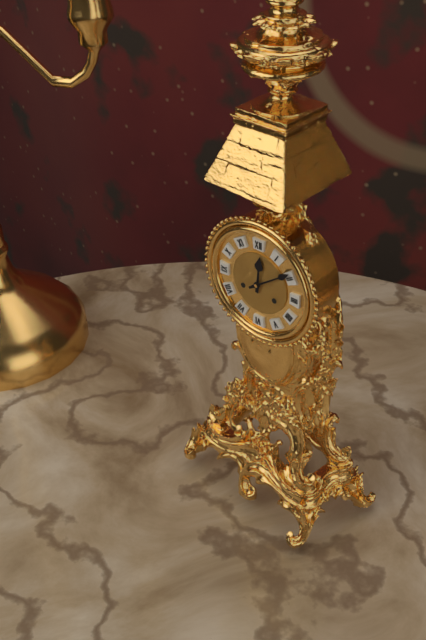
12:09
